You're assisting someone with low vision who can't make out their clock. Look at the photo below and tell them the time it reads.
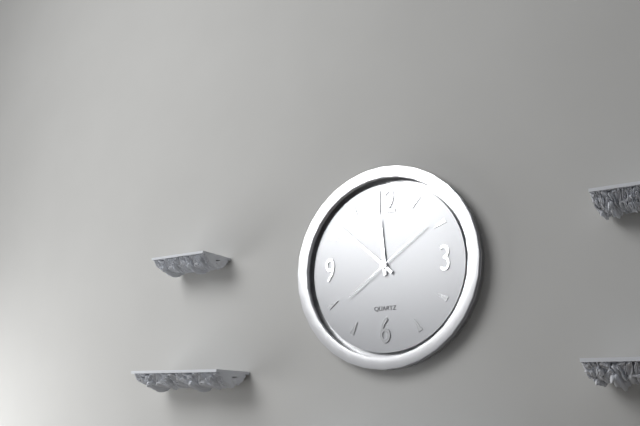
11:52:09
